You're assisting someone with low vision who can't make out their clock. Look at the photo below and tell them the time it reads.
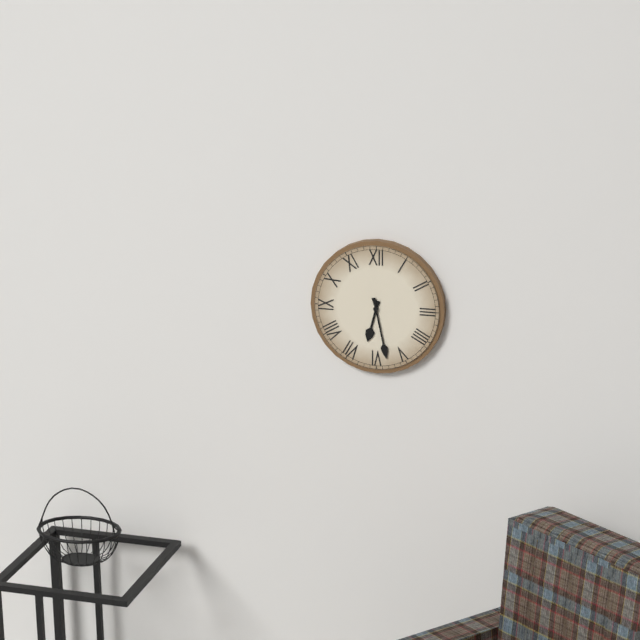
6:28
